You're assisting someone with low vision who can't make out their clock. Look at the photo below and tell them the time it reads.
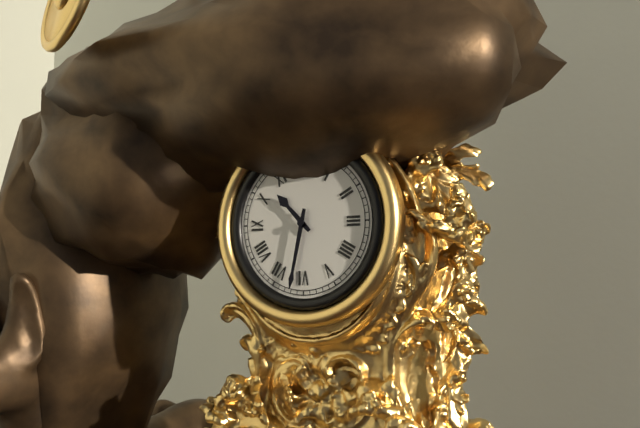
10:32
